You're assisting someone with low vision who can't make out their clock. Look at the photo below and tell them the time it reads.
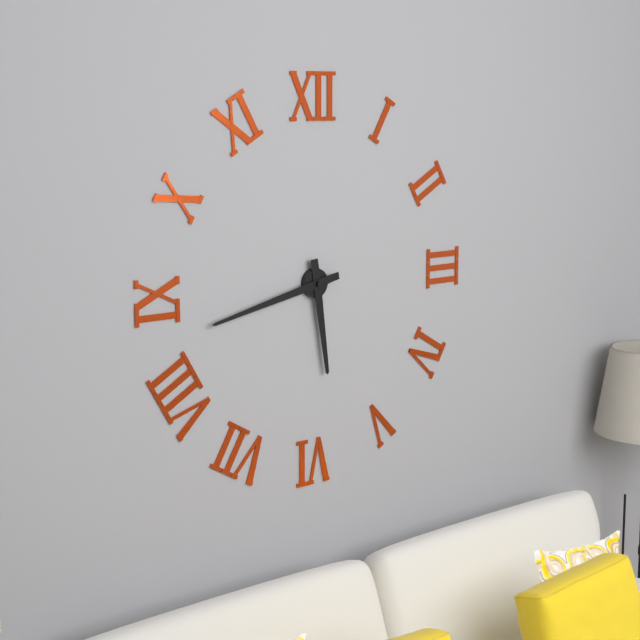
5:43
